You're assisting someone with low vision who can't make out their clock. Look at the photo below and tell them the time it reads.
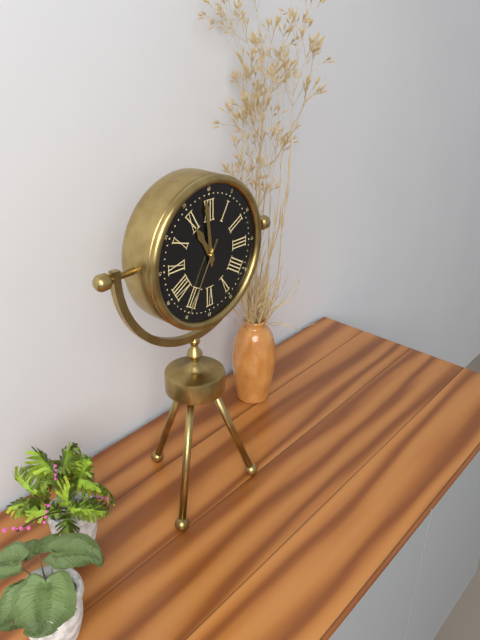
10:59:35
